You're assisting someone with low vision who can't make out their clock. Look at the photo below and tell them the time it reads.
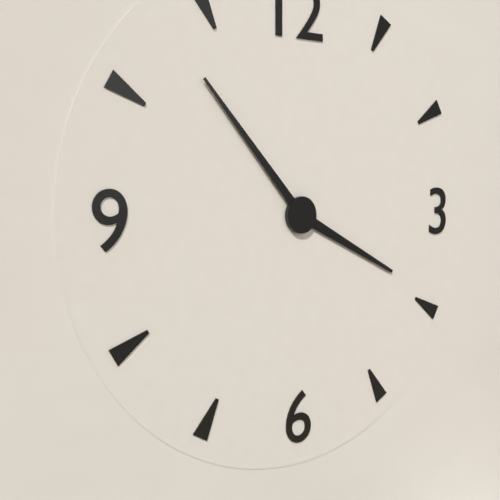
3:53
